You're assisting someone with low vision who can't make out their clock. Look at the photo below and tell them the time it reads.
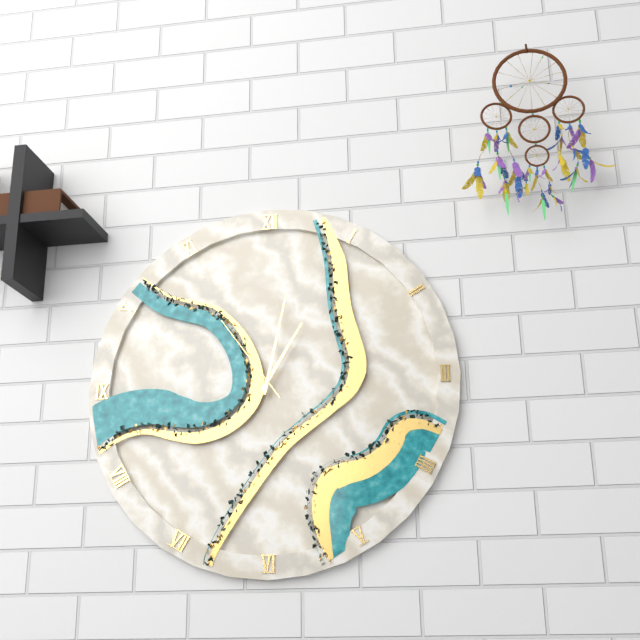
1:02:54
